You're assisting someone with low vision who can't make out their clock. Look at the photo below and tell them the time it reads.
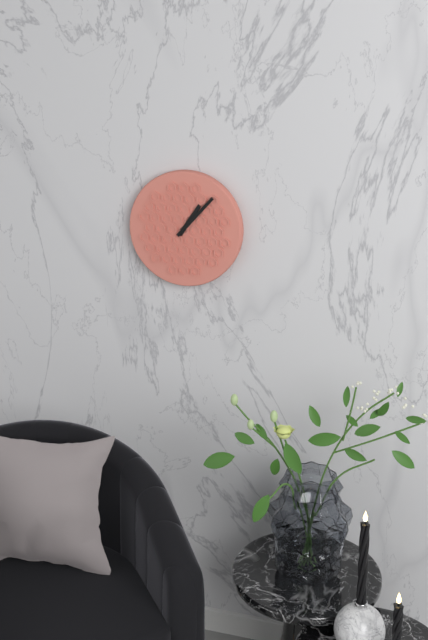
1:07
